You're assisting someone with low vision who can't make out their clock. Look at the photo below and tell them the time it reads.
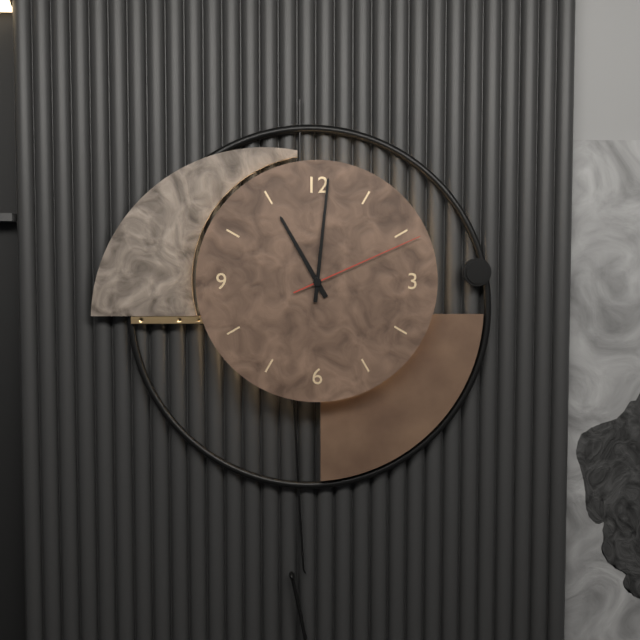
11:01:11
